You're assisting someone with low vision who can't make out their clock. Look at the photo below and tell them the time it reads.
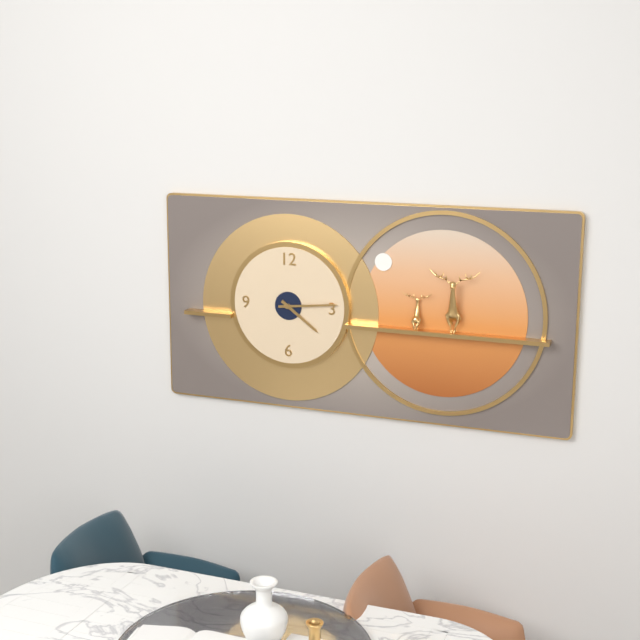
4:14
